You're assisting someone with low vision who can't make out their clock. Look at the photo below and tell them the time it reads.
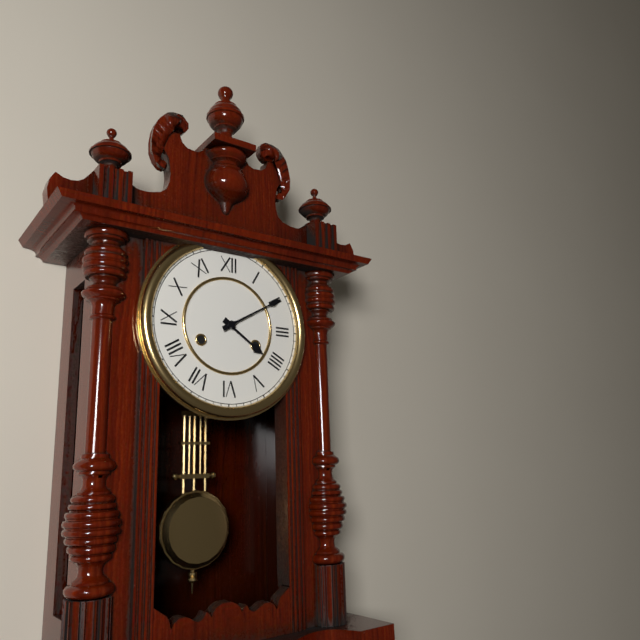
4:10
